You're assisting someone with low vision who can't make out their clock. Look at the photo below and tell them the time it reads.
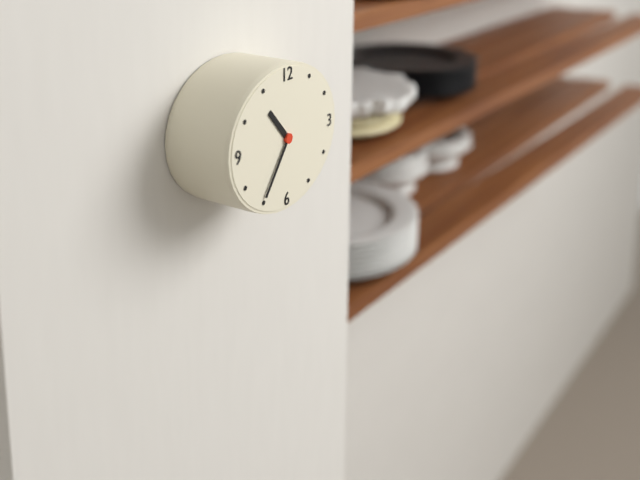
10:36
